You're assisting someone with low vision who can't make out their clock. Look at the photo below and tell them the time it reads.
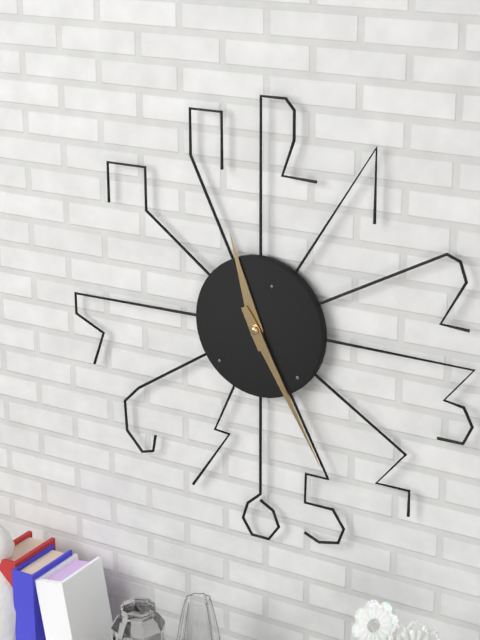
11:25
